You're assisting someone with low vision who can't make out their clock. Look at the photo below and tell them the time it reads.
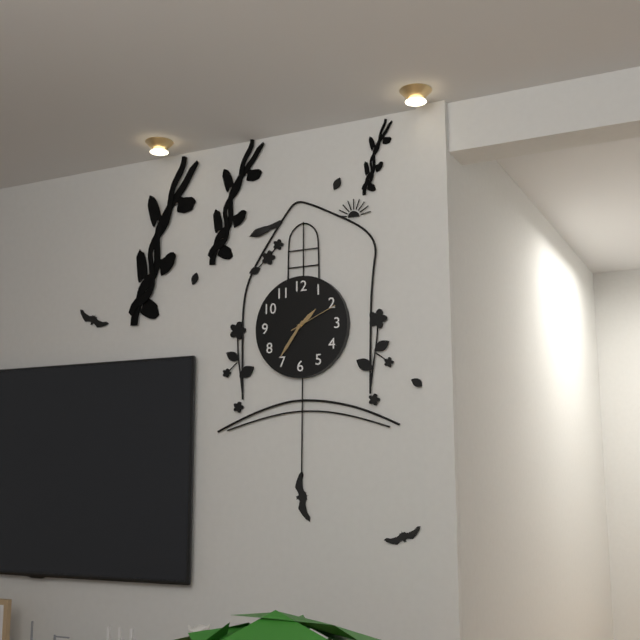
1:36
